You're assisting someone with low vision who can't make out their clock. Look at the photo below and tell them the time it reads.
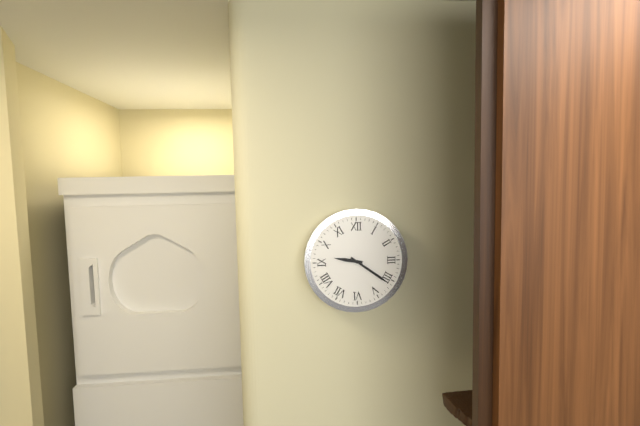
9:21
